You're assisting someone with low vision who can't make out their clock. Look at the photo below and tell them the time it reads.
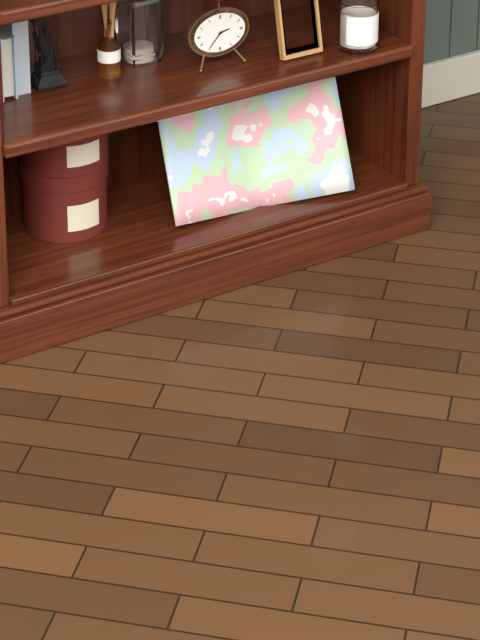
2:37
